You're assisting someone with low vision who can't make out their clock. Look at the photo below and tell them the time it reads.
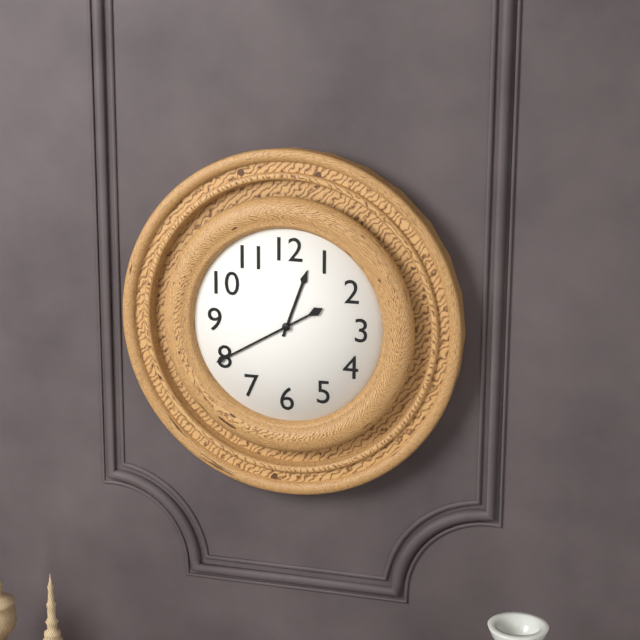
12:40
